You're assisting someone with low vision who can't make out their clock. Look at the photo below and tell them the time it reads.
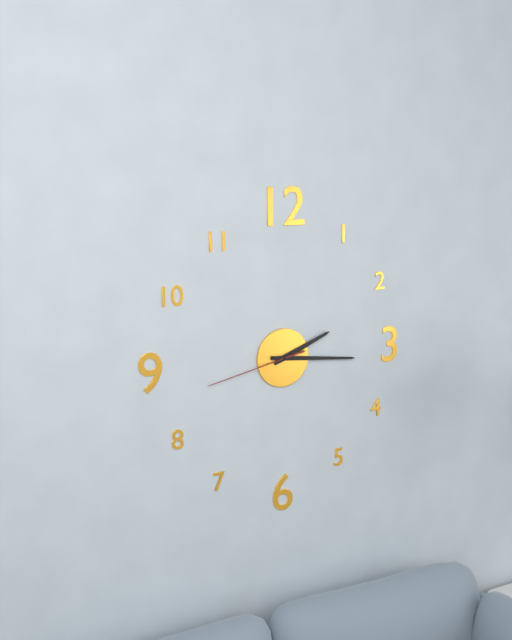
2:16:43
